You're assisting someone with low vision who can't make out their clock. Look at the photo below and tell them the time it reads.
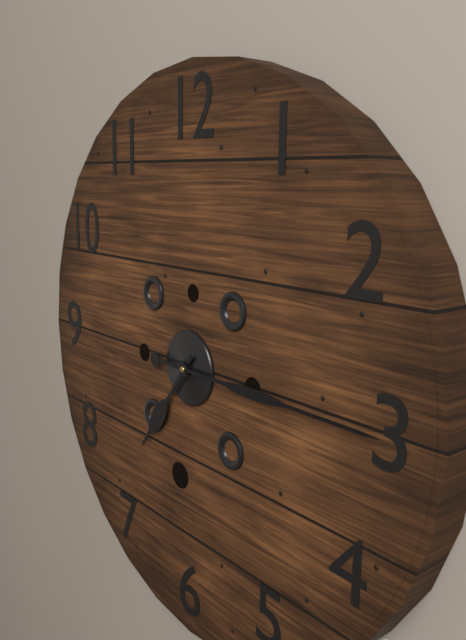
7:15
